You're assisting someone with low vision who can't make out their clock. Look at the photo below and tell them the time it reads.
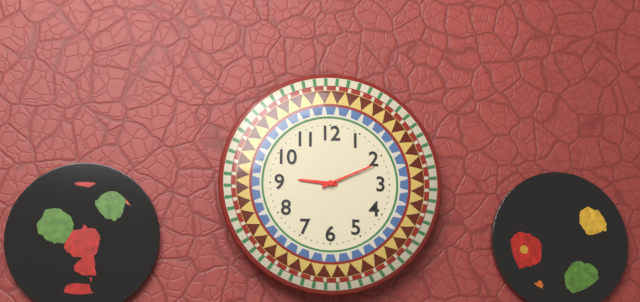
9:11
